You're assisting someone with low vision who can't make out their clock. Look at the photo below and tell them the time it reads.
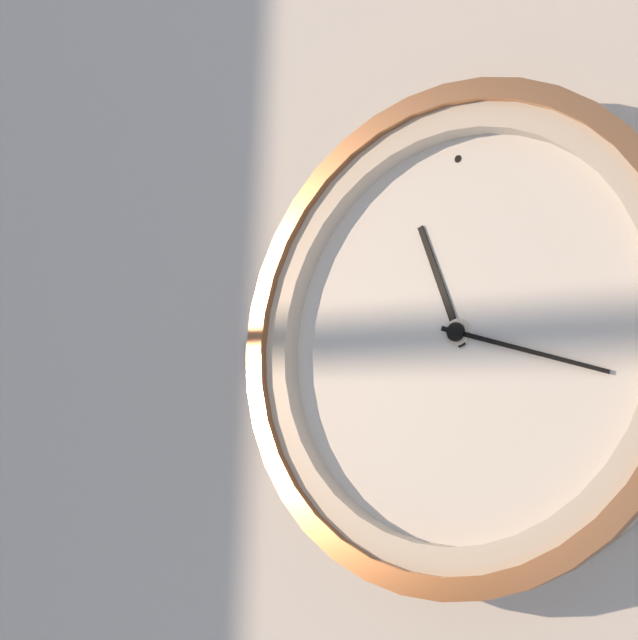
11:18
